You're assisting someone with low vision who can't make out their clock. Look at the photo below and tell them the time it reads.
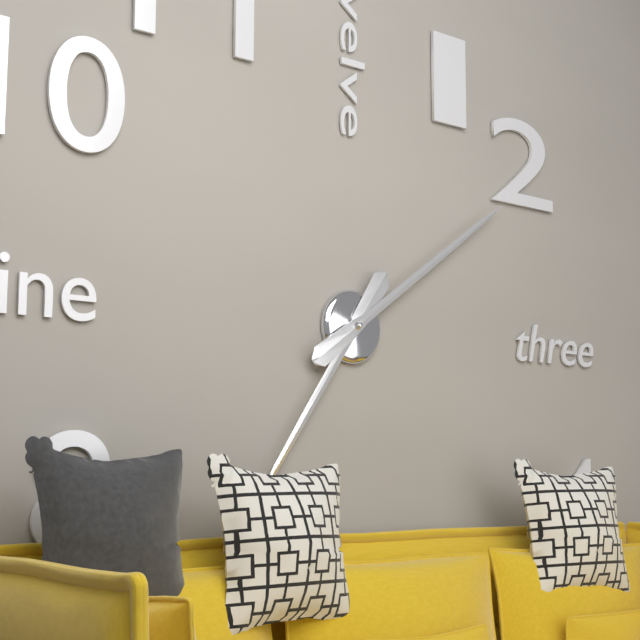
7:09
